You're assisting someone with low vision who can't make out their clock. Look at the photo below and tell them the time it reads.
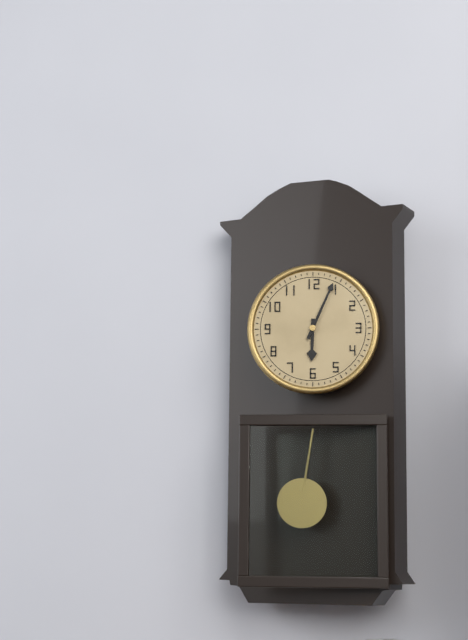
6:04
